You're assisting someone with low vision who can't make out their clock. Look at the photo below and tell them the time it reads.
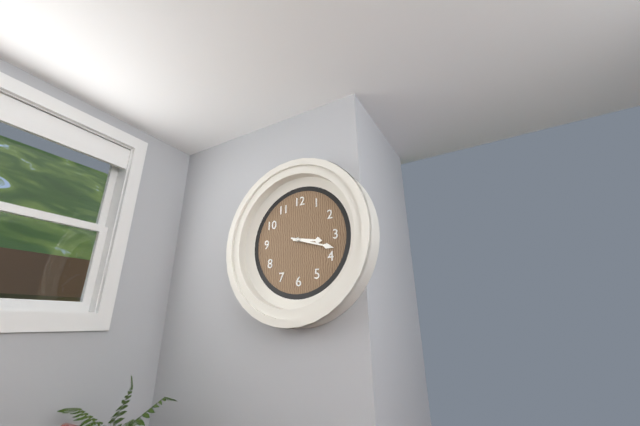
3:18
